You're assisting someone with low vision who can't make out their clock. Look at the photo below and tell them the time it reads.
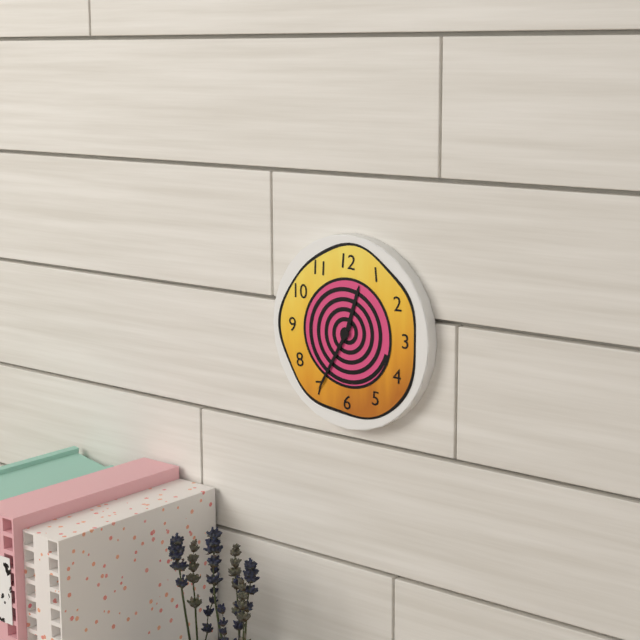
12:35
